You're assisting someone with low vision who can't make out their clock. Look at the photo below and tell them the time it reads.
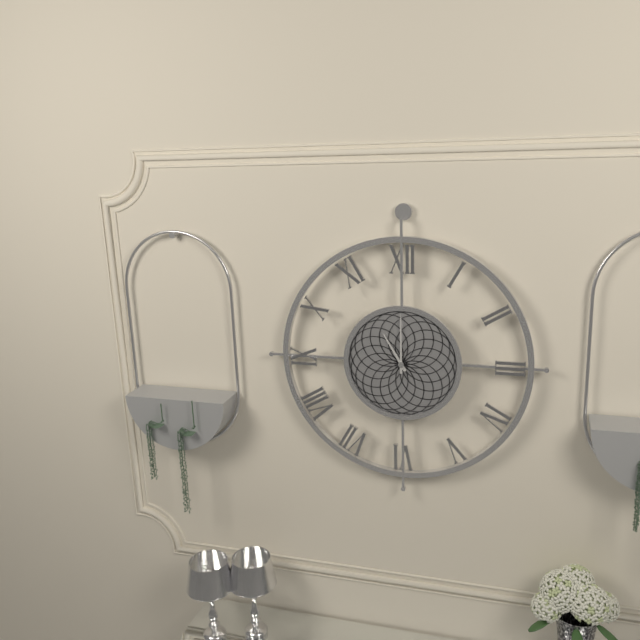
11:00
